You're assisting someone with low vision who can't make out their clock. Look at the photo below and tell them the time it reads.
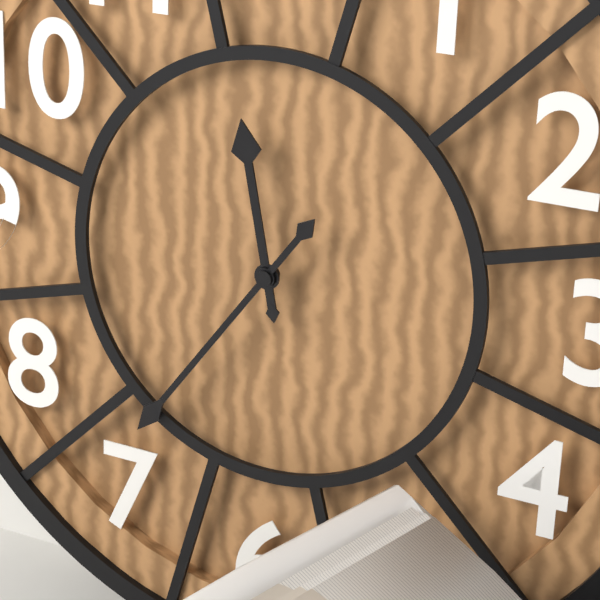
11:36
